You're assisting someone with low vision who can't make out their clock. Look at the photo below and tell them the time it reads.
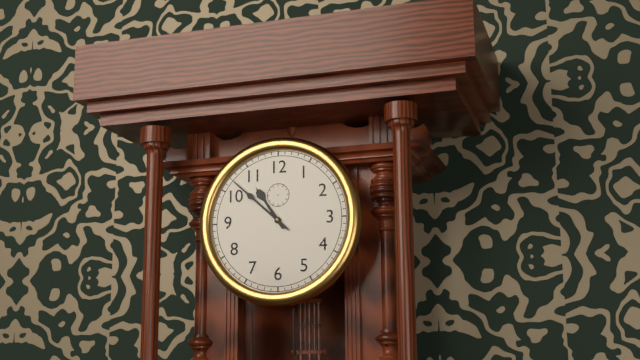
10:52
